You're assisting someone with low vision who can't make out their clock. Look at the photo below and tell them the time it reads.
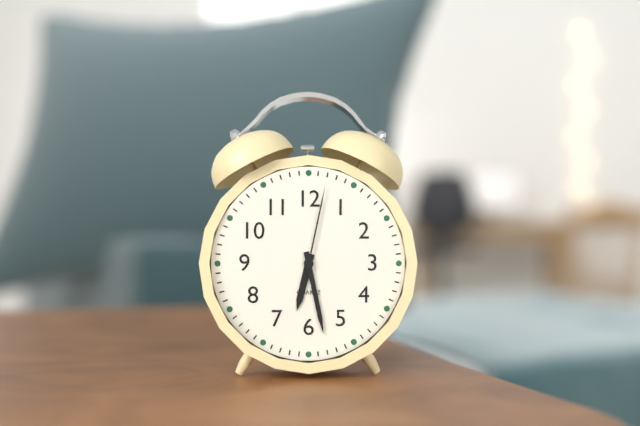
6:28:02
